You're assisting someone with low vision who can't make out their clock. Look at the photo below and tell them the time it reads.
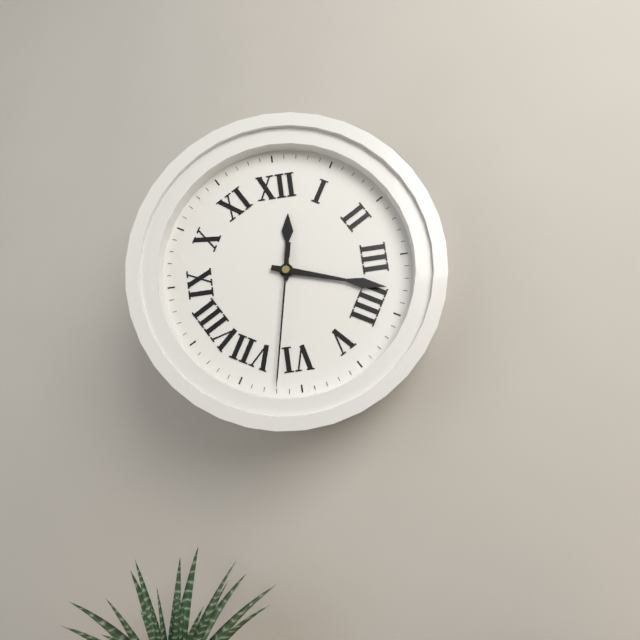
12:18:32
